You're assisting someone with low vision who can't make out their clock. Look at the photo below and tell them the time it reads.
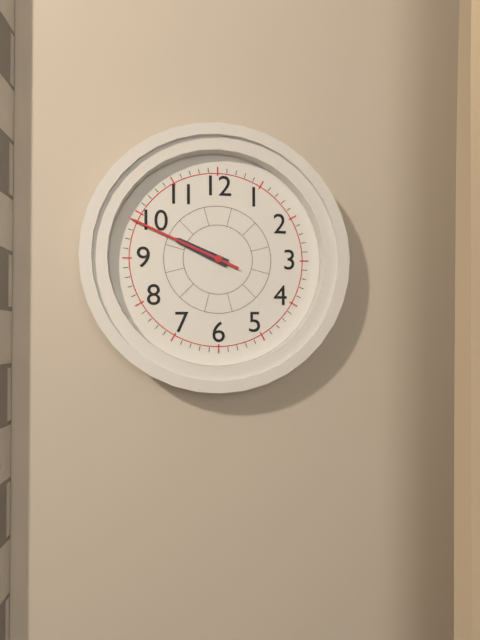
9:49
